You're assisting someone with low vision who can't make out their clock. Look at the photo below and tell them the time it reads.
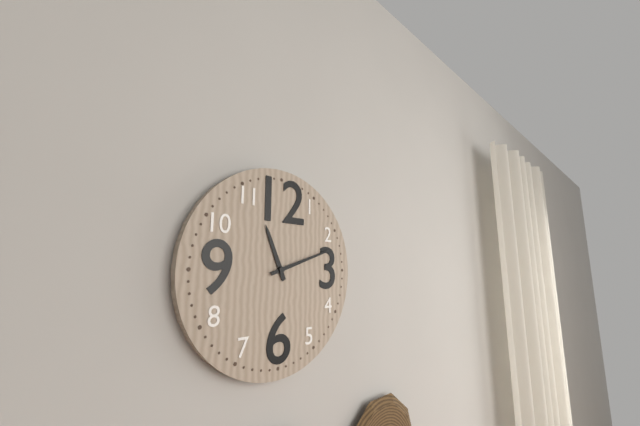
11:12
